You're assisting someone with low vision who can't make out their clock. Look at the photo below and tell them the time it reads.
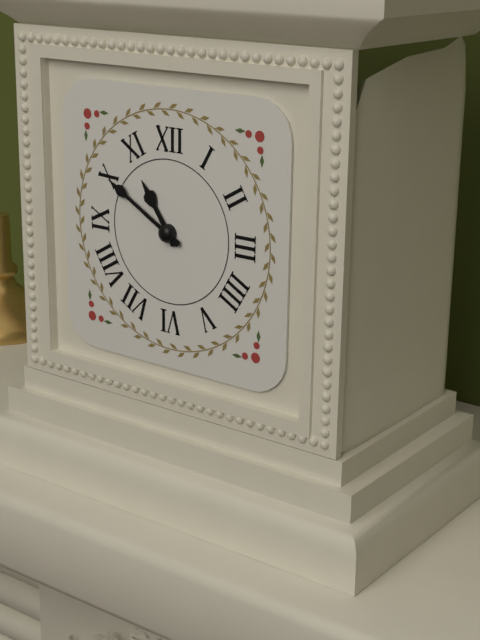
10:50
